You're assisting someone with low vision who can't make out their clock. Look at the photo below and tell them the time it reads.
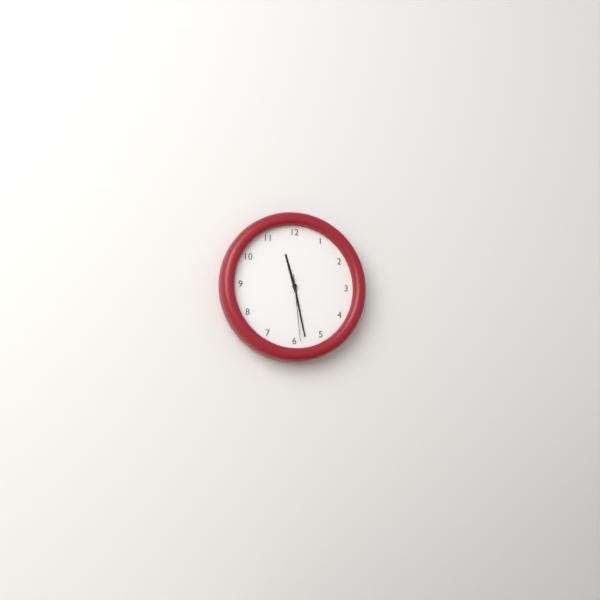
11:28:29
